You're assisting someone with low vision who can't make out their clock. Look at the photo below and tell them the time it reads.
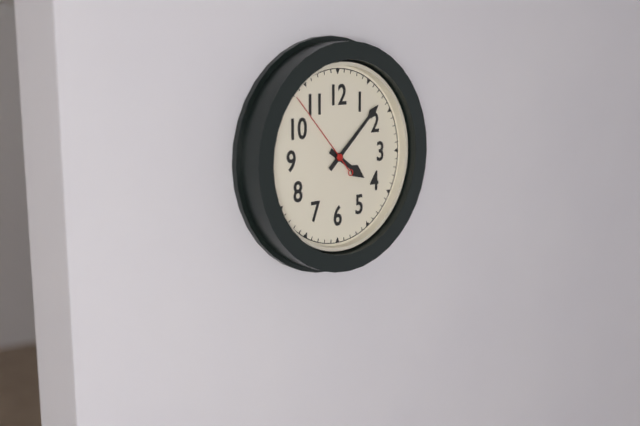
4:08:53
